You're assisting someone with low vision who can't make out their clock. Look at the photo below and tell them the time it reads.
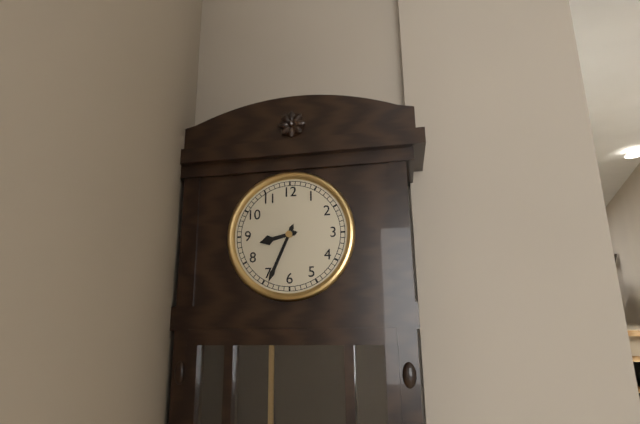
8:34
